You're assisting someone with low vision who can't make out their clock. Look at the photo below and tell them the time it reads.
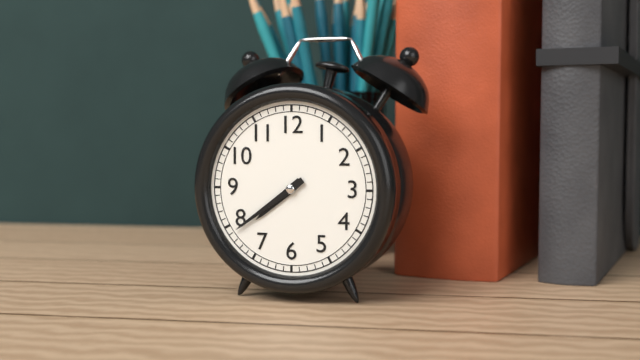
7:39
